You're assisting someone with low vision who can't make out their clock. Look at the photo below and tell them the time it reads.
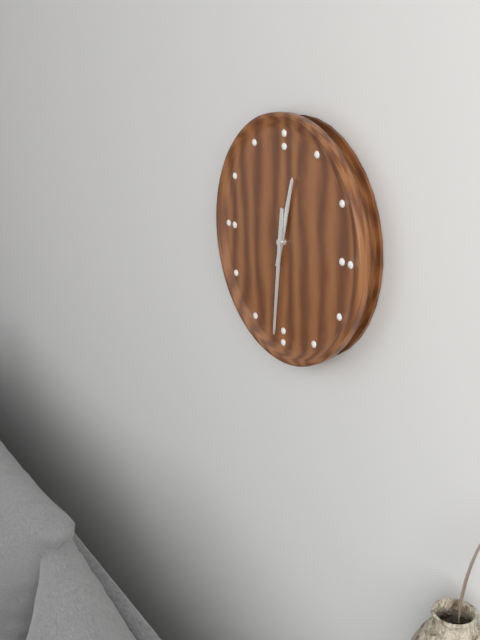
12:31
